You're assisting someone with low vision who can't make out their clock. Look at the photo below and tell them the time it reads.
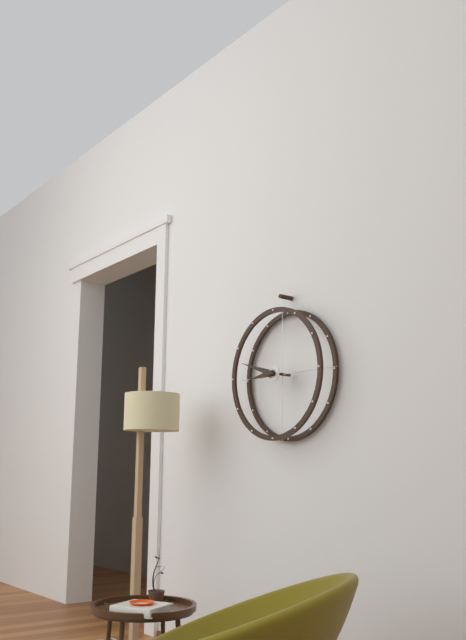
8:48
